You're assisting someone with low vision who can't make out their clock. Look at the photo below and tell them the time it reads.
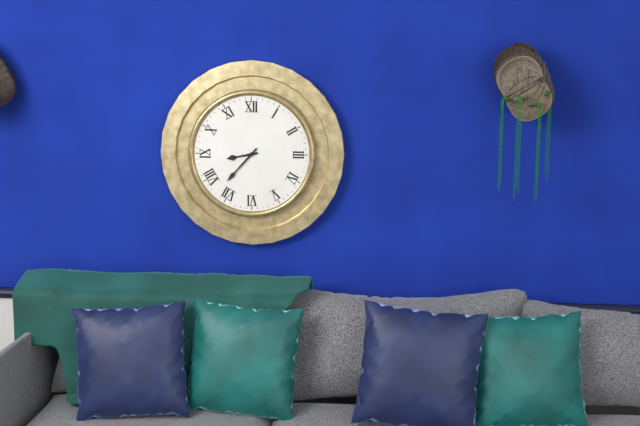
8:37
